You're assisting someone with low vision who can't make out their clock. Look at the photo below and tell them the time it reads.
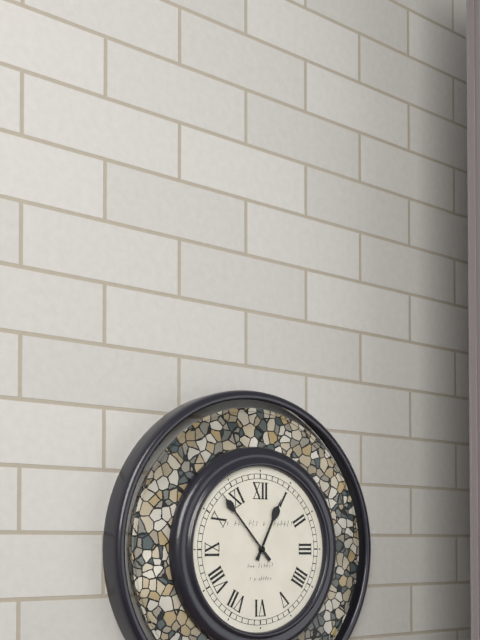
12:53
